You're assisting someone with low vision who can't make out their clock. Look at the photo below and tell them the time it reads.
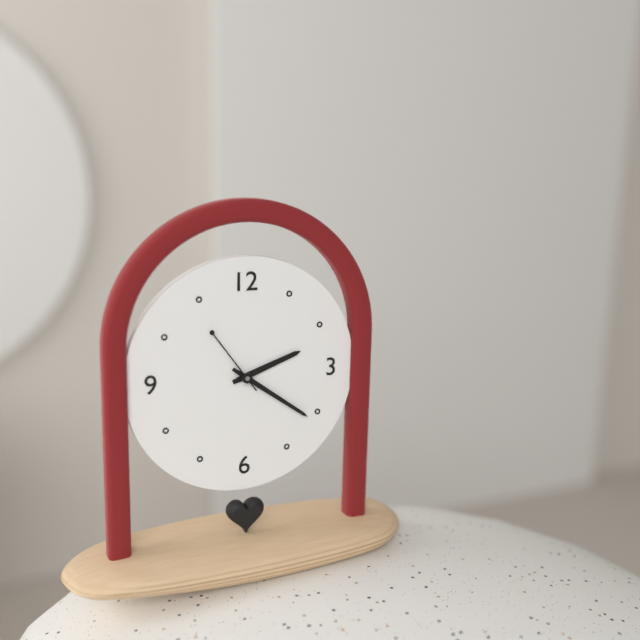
2:21:54
